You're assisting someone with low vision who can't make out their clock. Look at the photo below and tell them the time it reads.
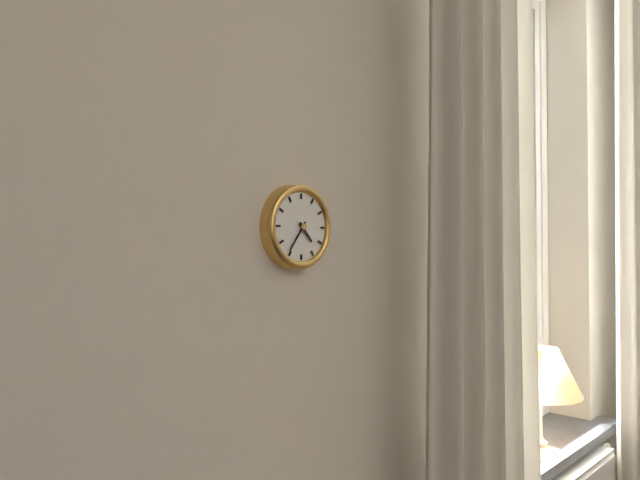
4:36
